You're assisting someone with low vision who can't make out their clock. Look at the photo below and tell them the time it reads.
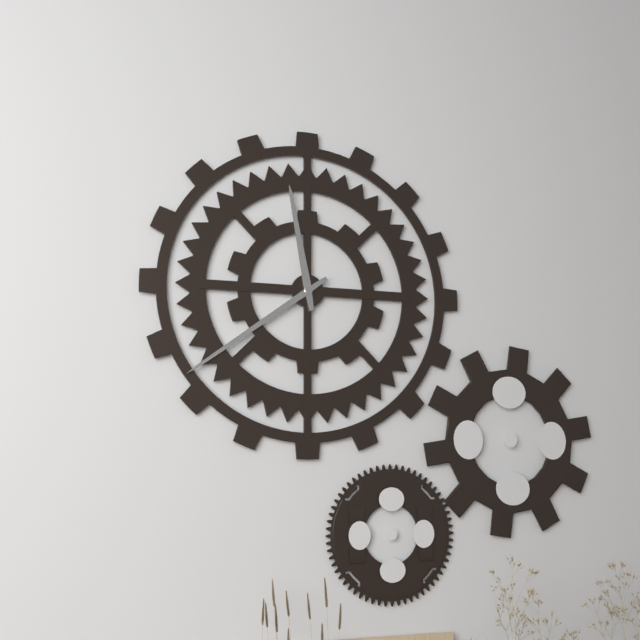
11:39
